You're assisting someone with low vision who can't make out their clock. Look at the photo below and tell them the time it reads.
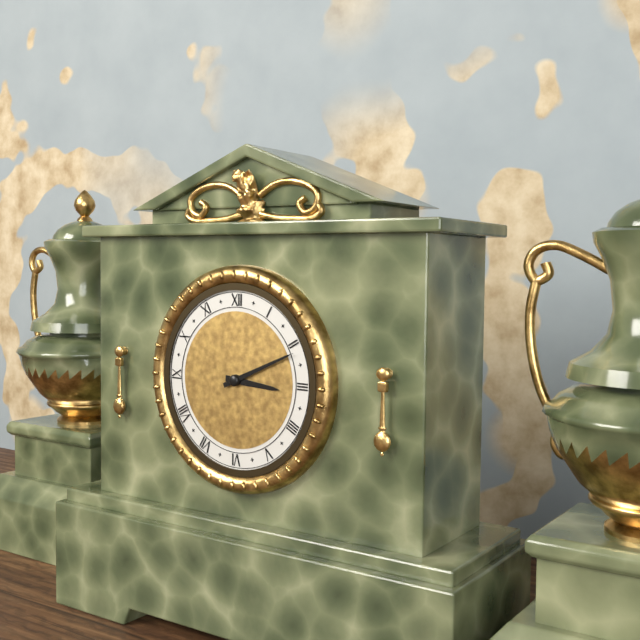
3:11
